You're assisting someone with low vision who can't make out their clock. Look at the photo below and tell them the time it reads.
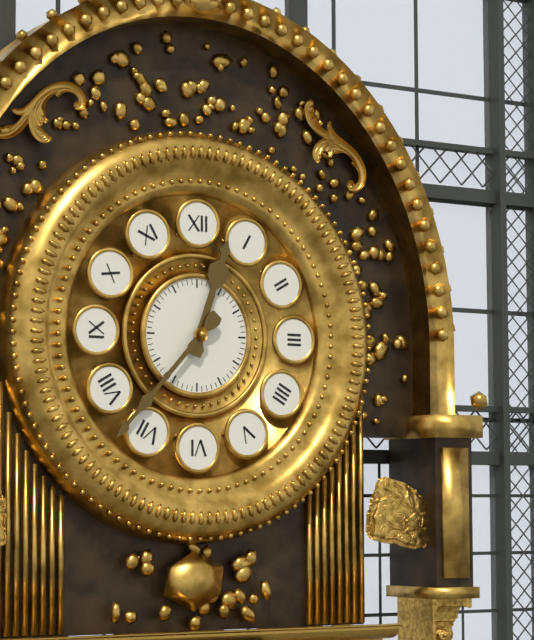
12:37
